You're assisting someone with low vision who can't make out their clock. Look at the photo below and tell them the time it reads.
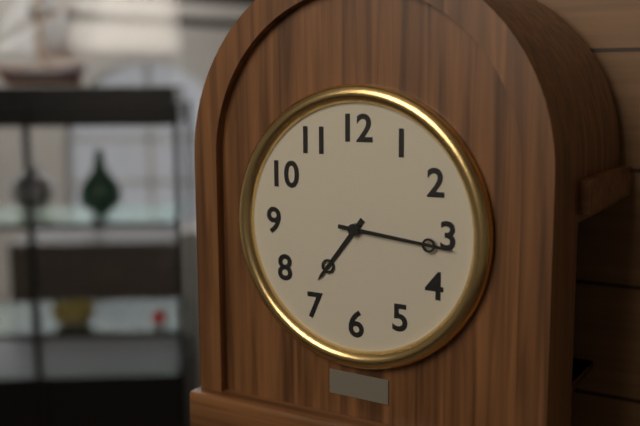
7:16
